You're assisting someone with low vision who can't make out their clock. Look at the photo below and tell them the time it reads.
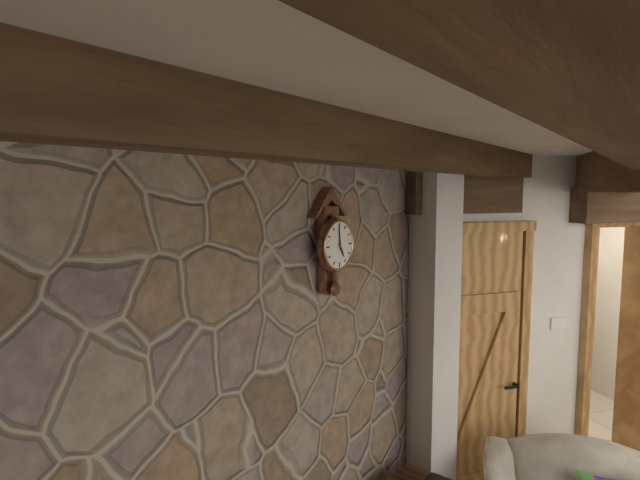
4:59
